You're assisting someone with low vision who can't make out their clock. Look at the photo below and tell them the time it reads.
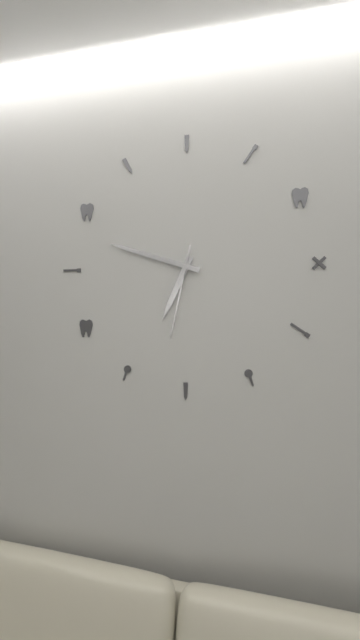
6:48:32
